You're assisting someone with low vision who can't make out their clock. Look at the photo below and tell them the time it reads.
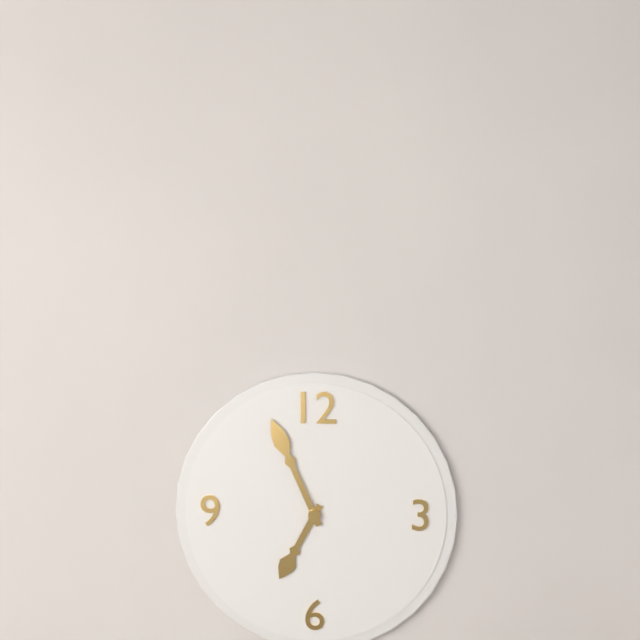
6:56
